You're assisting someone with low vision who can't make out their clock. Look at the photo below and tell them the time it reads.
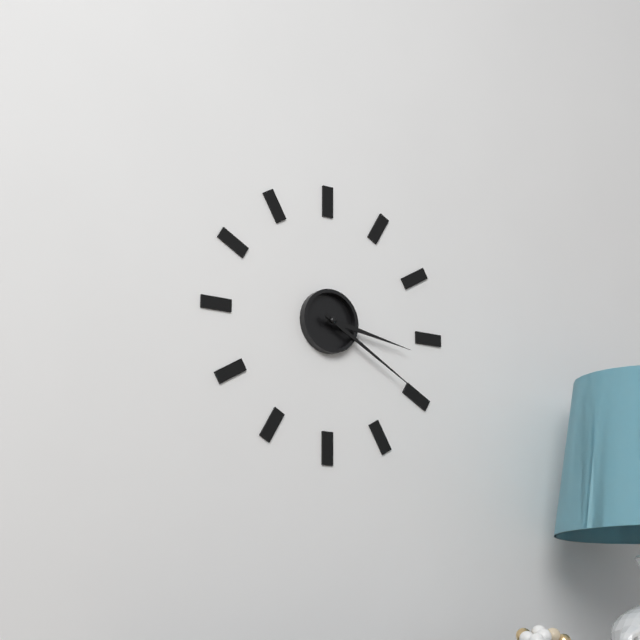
3:20
